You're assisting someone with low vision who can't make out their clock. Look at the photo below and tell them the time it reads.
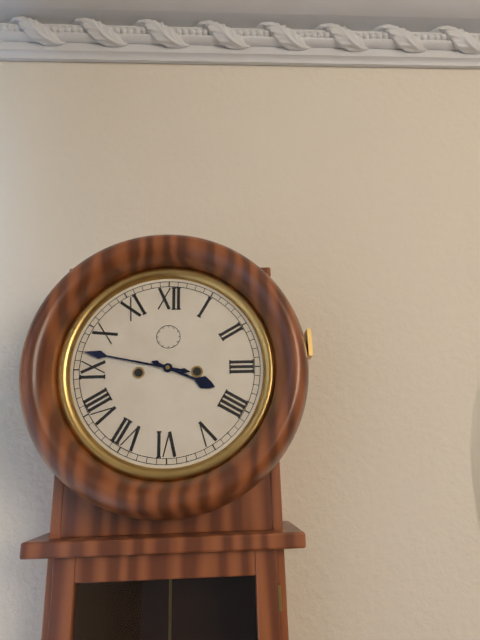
3:47
